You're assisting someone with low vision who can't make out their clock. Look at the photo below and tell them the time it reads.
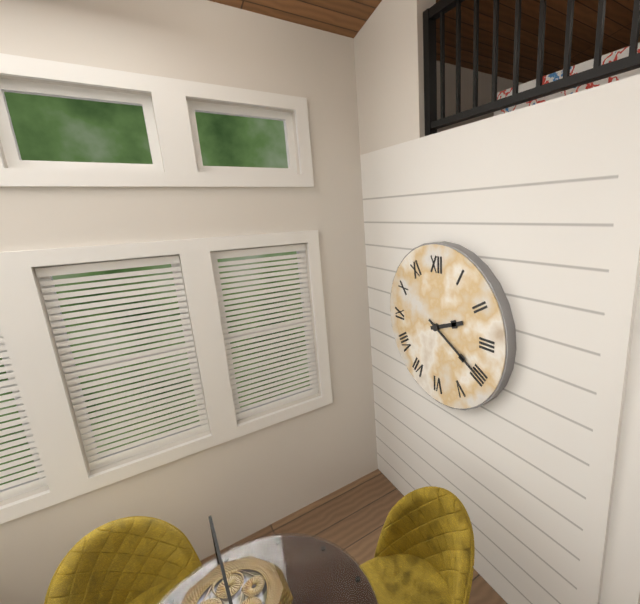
2:20
